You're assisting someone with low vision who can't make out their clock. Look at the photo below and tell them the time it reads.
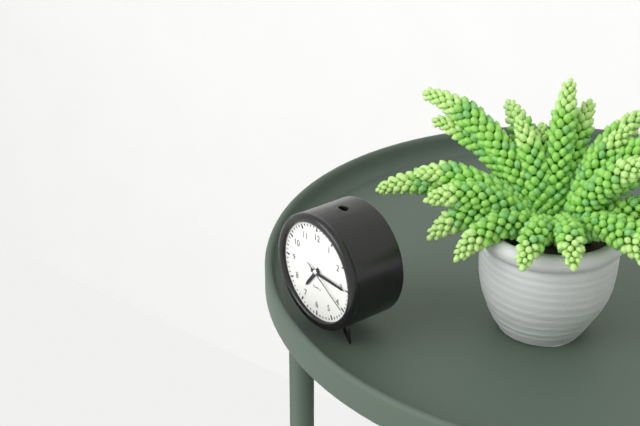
7:15:20
